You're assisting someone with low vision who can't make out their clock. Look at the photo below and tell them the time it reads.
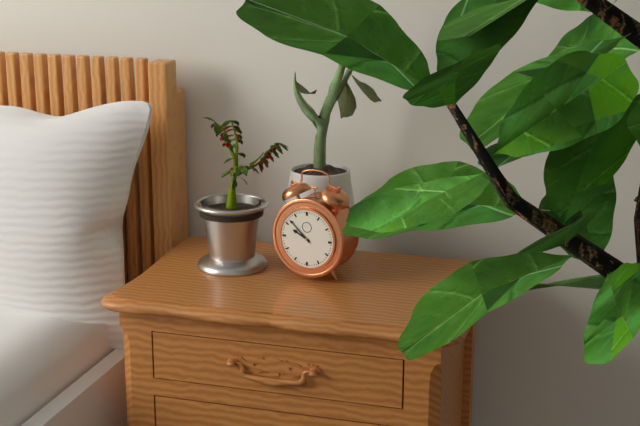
9:52
